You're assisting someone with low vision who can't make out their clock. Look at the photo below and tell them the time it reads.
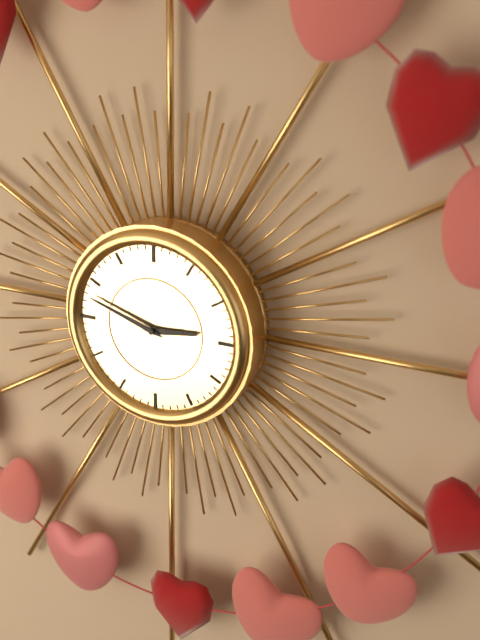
2:48
